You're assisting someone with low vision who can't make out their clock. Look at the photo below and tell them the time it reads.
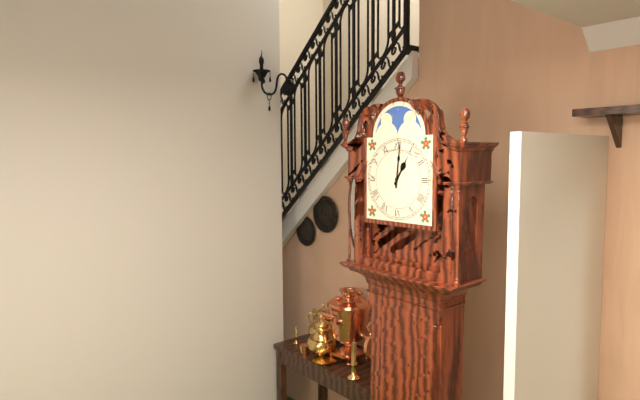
1:01
